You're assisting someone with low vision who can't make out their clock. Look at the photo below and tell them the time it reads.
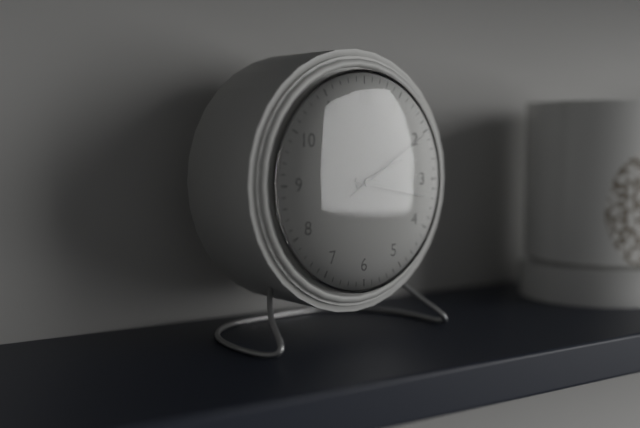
2:17:10
